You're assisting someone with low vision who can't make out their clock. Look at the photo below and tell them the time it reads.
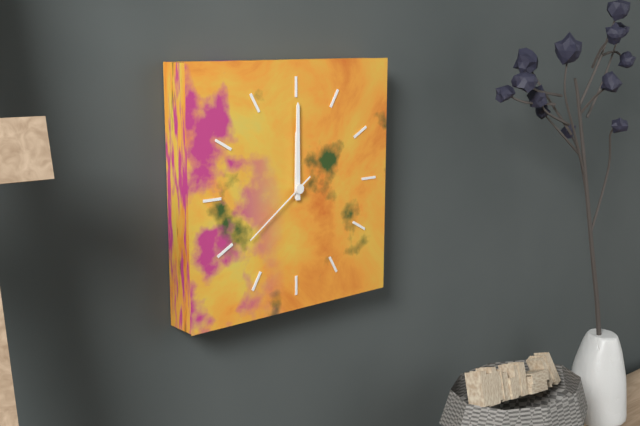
12:00:39
